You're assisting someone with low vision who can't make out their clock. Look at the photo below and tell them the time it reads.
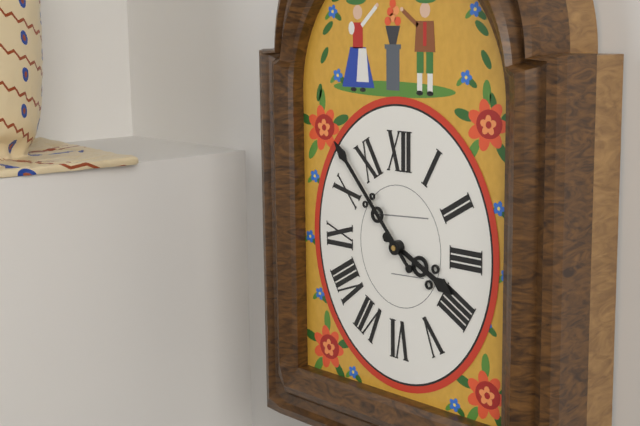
3:53
